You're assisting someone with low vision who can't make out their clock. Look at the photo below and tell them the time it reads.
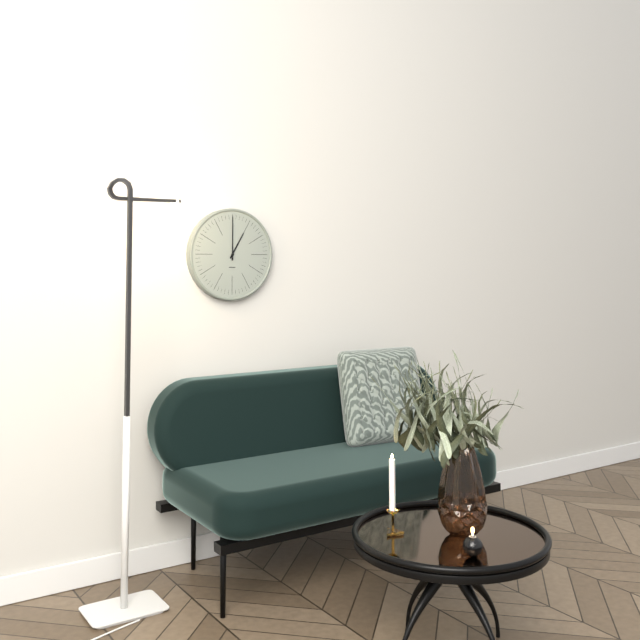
1:00
